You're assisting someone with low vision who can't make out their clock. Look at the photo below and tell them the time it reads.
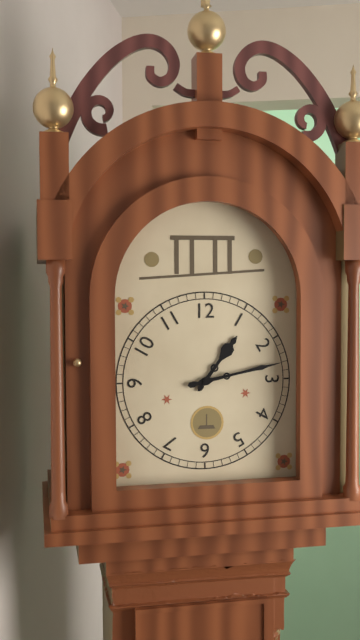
1:13
